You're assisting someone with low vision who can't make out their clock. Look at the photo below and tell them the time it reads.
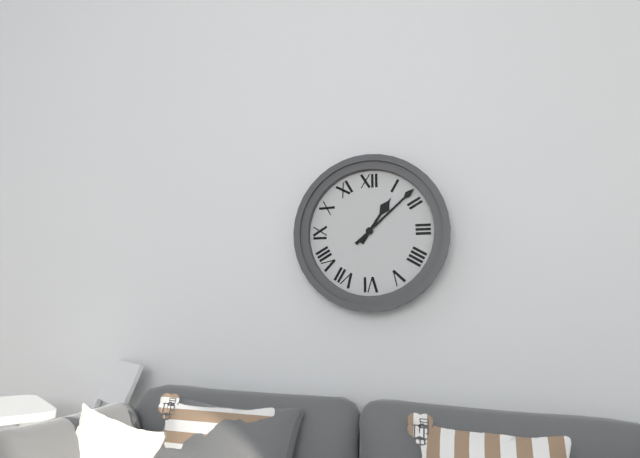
1:08
